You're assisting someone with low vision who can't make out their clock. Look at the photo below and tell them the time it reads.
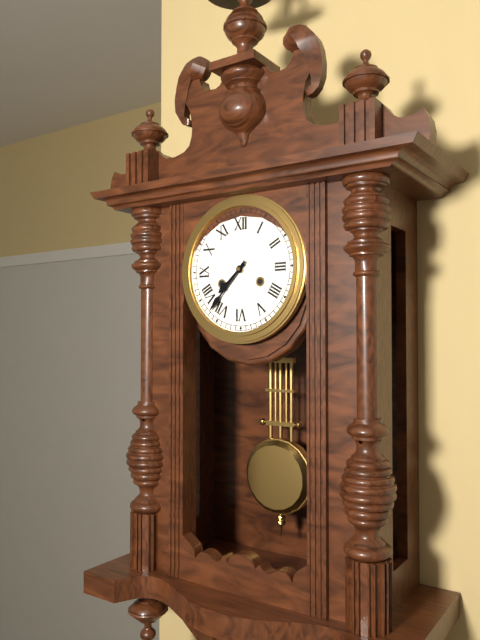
7:37
